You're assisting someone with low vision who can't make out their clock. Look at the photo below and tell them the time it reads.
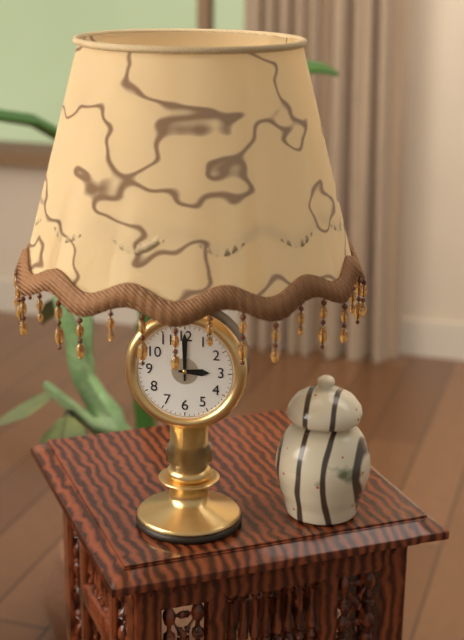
3:00
